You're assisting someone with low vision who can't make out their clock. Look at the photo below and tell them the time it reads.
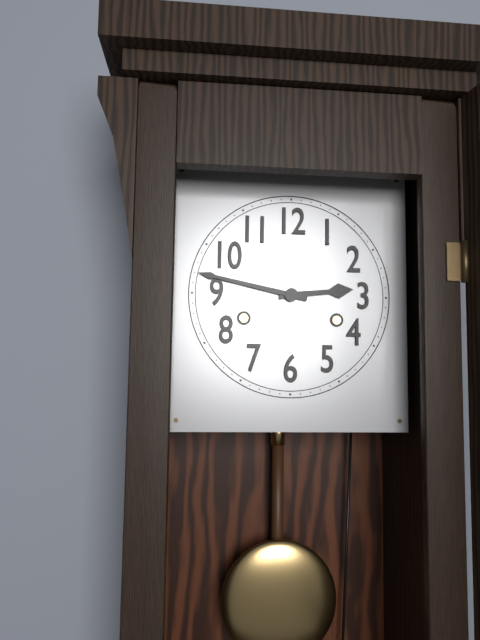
2:47
